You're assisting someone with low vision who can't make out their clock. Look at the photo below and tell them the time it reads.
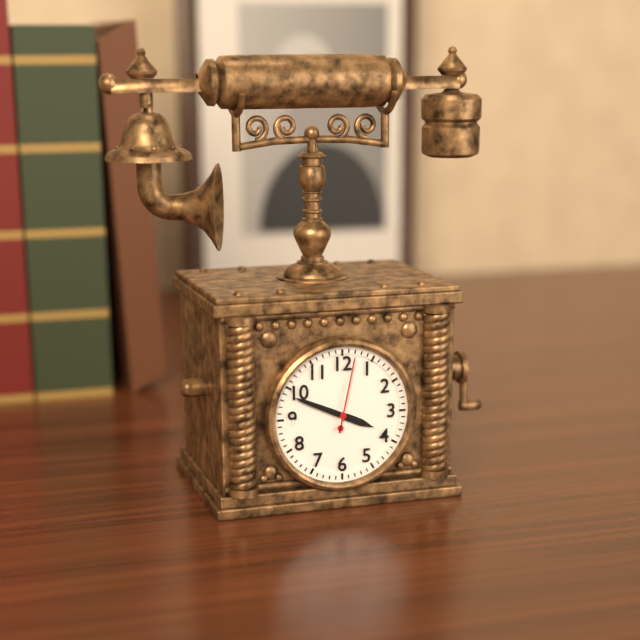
3:49:02
